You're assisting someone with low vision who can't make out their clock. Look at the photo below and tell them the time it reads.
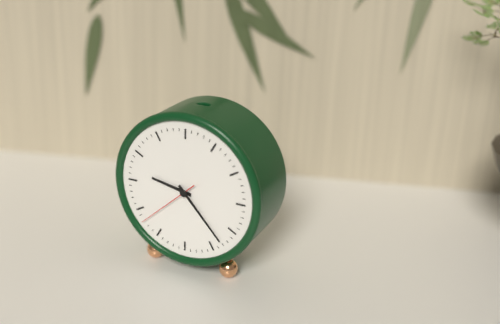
9:23:38
